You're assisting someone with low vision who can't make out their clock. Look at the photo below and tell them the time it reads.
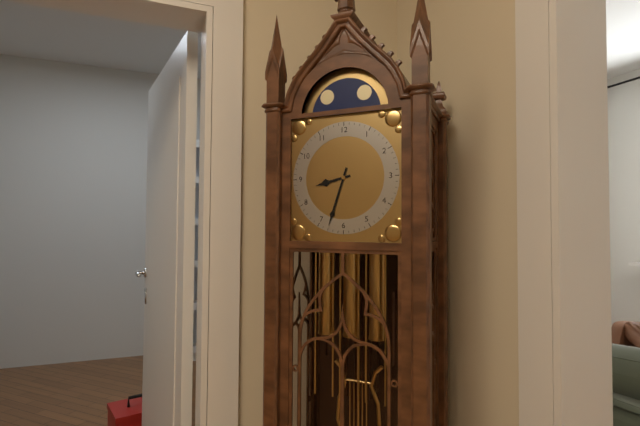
8:33
